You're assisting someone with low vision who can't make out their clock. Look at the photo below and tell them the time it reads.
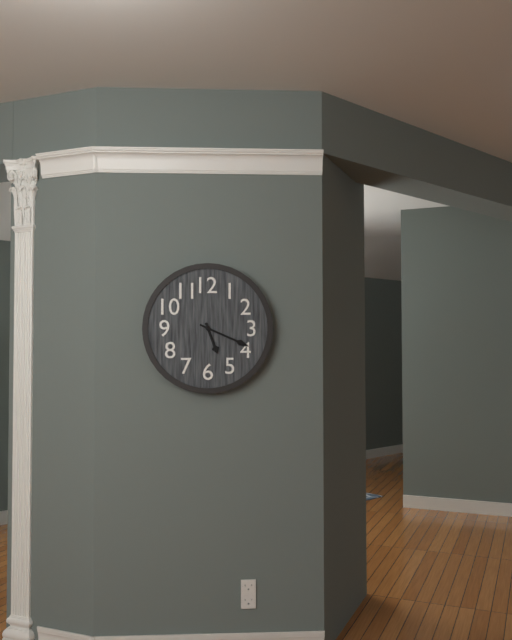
5:19
